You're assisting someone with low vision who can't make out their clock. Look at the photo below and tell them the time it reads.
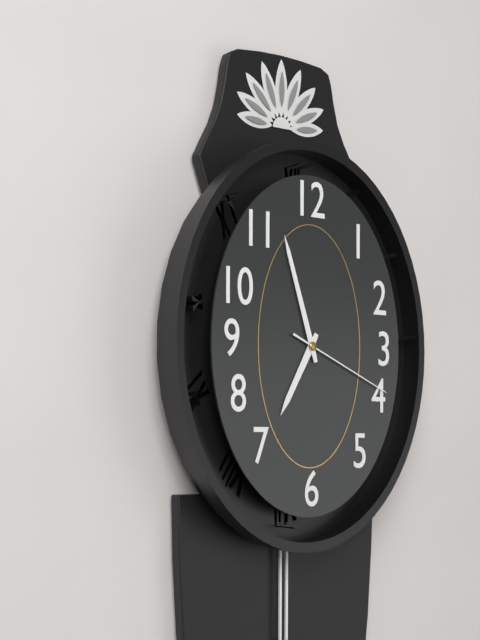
6:57:19
